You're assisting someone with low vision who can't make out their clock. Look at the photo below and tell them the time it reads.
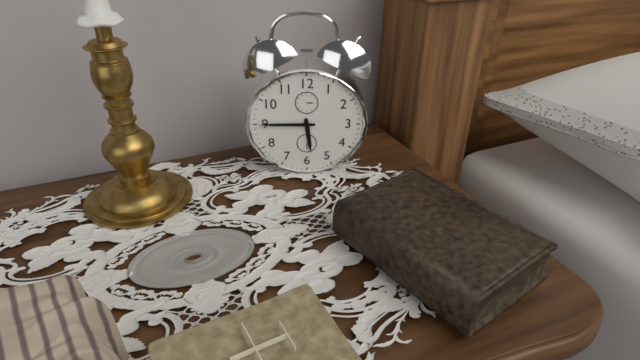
5:45
